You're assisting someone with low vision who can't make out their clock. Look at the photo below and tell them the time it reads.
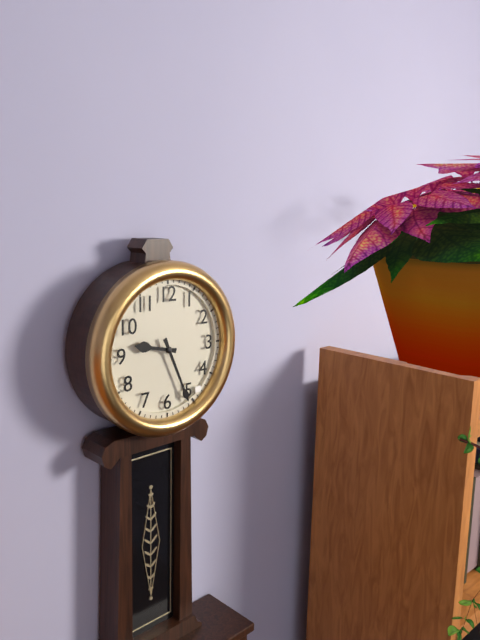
9:26
